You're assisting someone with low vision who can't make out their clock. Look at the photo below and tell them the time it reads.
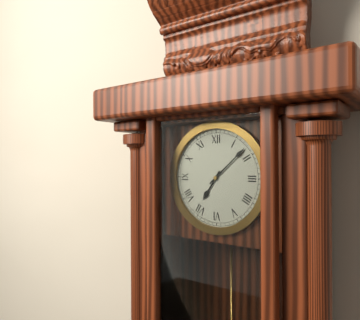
7:08
